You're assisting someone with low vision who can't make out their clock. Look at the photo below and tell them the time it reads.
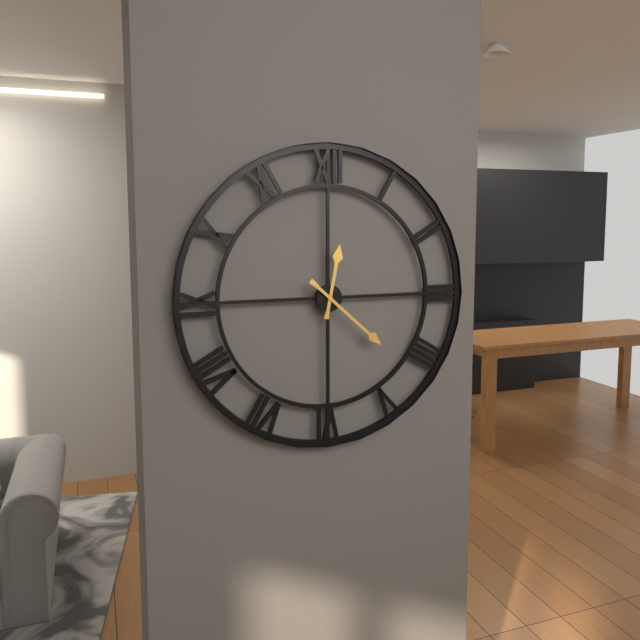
12:22
